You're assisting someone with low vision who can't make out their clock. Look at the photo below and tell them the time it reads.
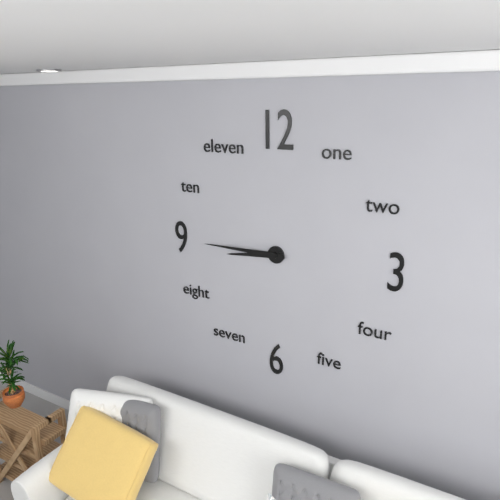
8:45
